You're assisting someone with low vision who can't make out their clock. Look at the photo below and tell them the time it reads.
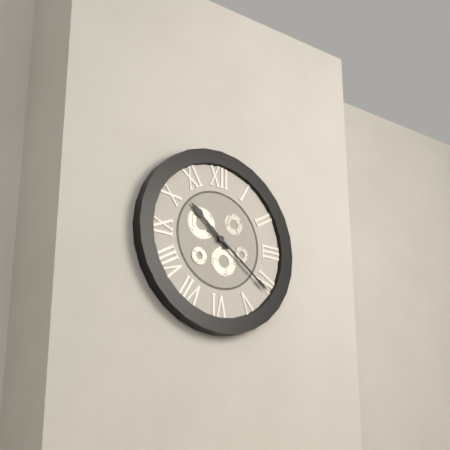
10:21
